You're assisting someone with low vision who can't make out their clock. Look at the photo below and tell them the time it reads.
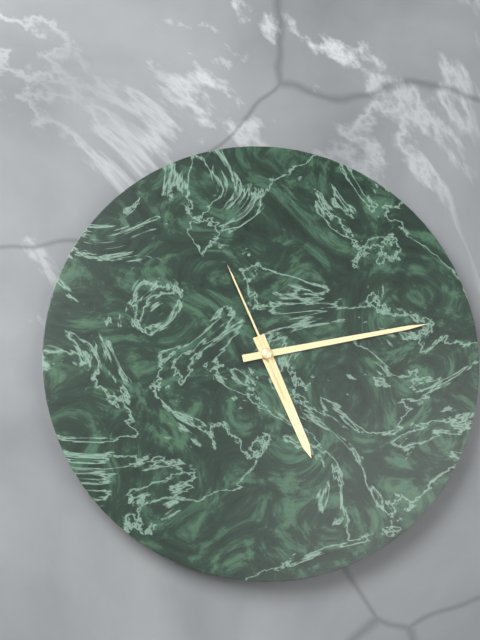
5:13:56
